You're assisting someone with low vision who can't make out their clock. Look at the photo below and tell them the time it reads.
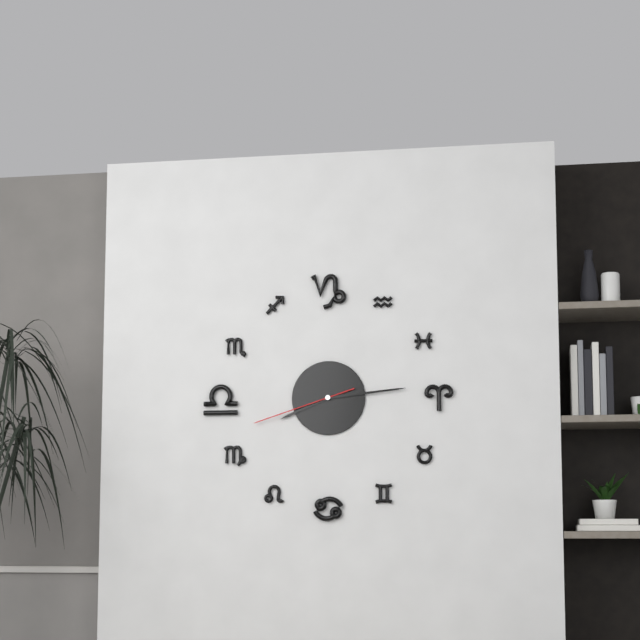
8:14:42
